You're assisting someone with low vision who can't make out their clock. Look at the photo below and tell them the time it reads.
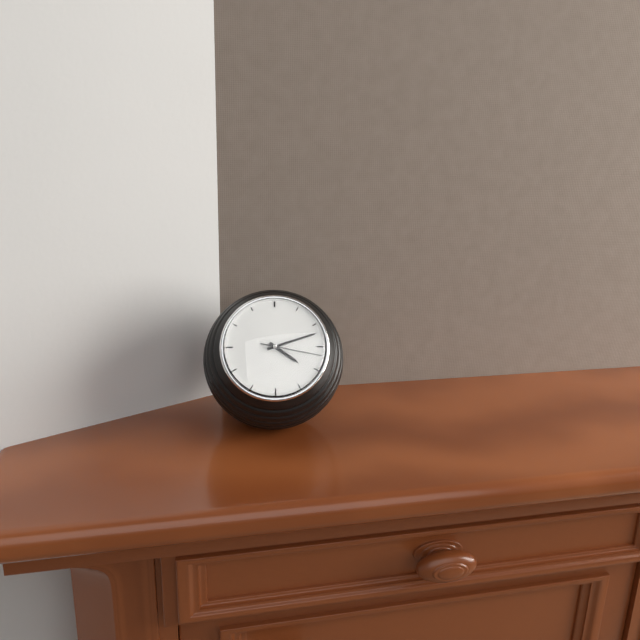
4:12:17
